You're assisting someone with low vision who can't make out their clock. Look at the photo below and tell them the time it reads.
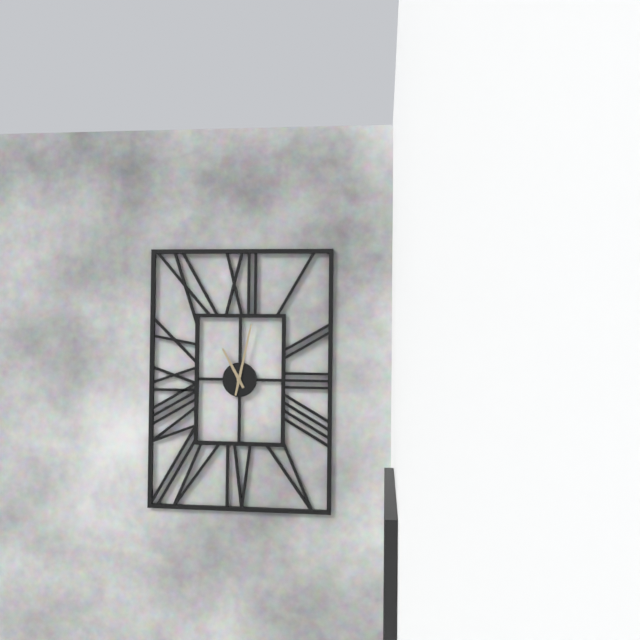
11:02
